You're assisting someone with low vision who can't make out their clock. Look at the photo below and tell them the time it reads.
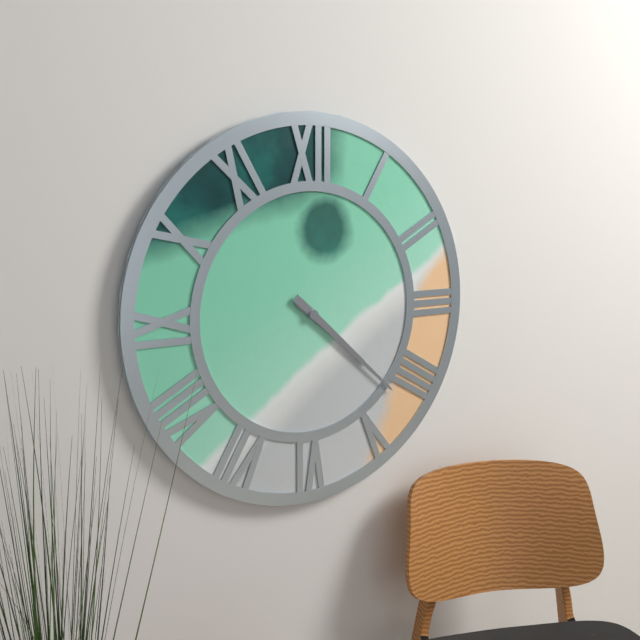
4:22
